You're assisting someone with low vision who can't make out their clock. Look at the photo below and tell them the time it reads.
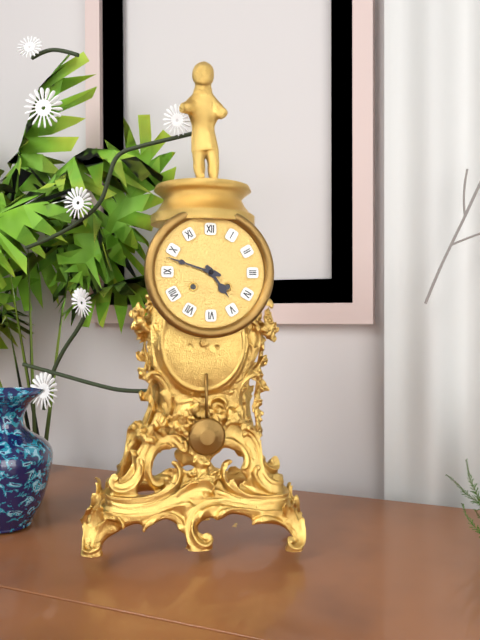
4:48
